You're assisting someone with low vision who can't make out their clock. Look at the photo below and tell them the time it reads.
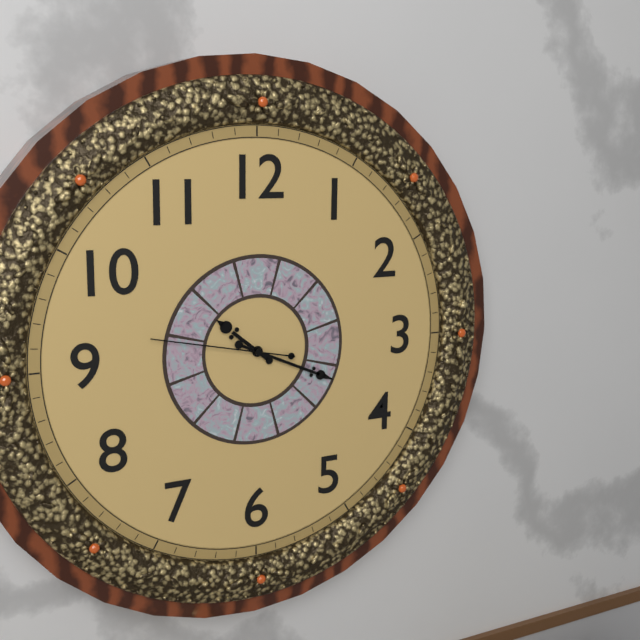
10:19:47
